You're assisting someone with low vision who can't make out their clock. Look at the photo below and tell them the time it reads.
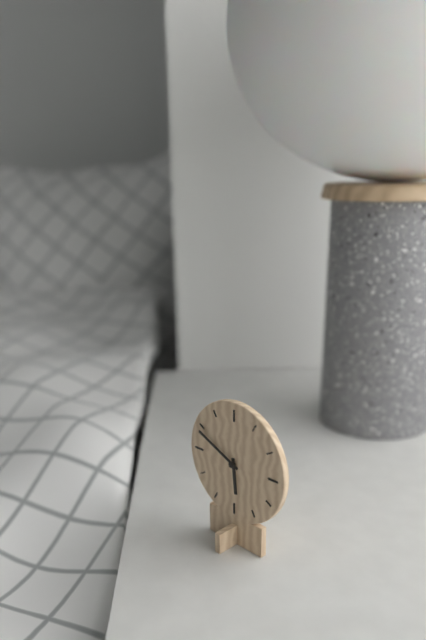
5:49
